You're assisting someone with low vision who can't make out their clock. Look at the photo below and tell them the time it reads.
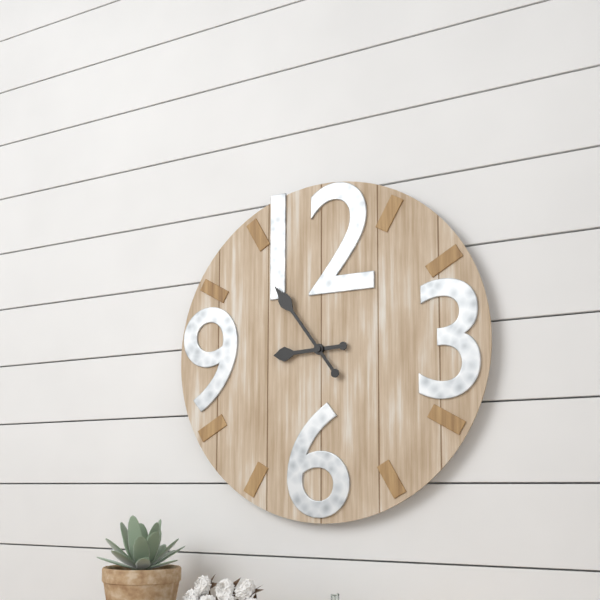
8:54
